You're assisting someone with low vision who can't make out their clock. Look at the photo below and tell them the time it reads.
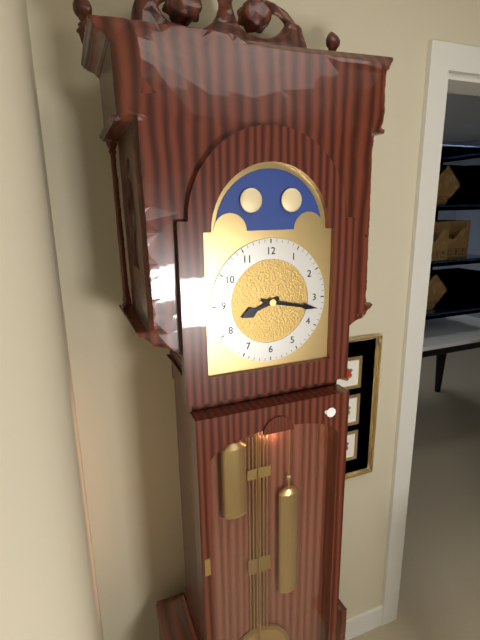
8:17
